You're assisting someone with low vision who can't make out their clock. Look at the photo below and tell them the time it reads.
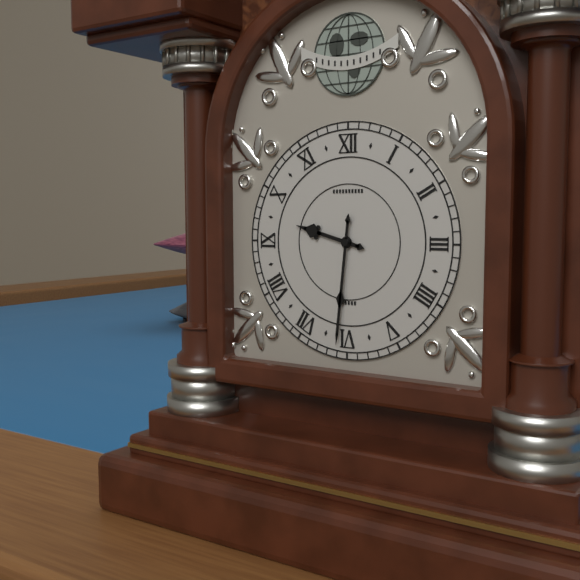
9:31
